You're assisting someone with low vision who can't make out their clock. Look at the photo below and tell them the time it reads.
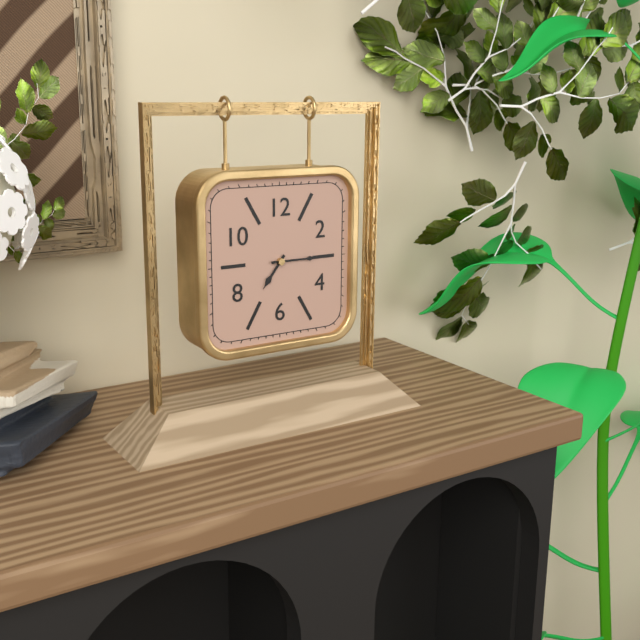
7:15
